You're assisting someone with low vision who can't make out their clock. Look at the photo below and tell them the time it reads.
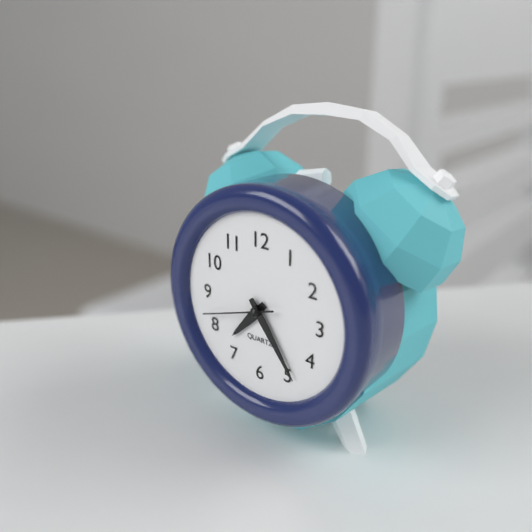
7:24:42
